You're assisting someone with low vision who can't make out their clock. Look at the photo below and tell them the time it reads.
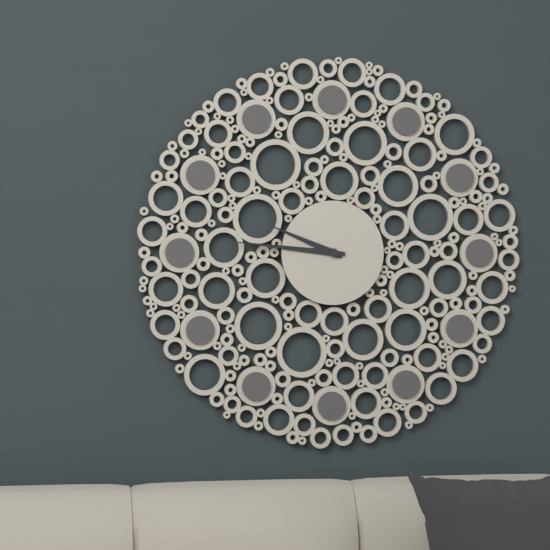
9:46
